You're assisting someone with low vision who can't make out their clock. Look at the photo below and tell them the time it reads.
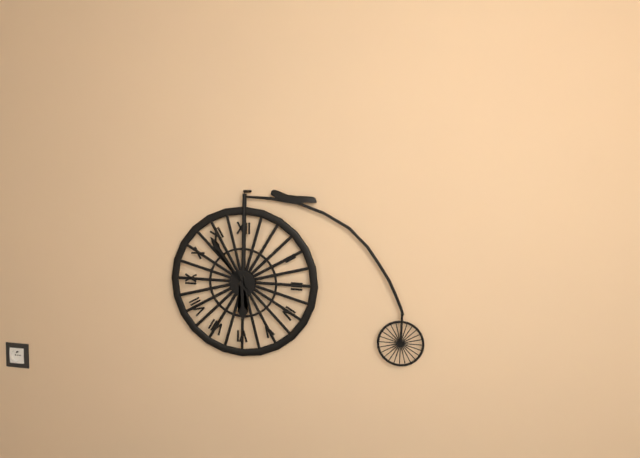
5:54
